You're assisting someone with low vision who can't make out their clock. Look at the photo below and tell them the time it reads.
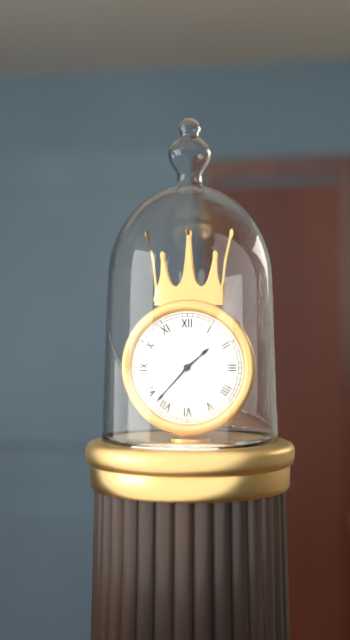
1:37
